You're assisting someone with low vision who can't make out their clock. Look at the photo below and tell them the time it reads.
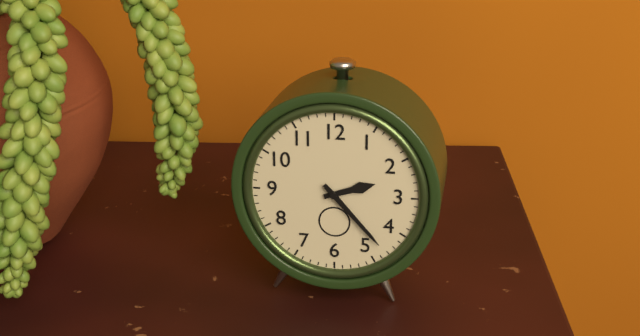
2:23
